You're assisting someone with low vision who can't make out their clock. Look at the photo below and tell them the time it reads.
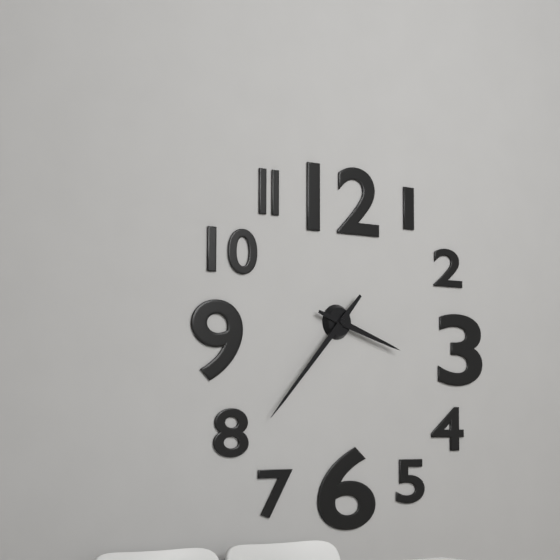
3:37
